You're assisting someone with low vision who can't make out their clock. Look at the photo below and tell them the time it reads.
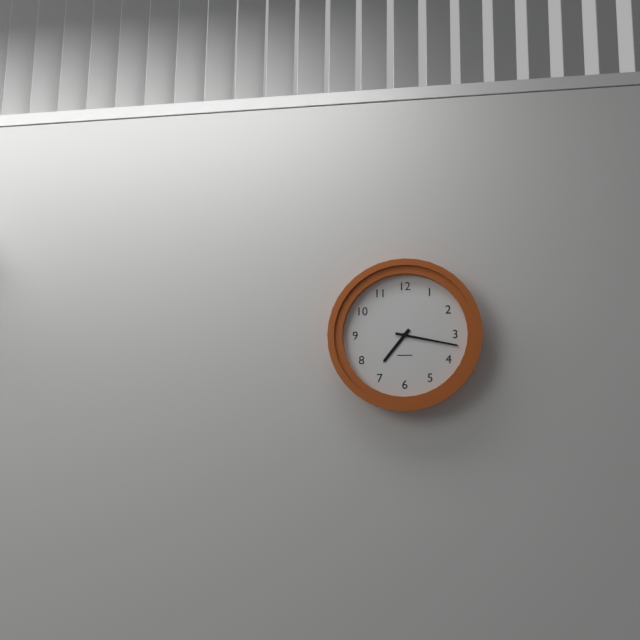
7:17
